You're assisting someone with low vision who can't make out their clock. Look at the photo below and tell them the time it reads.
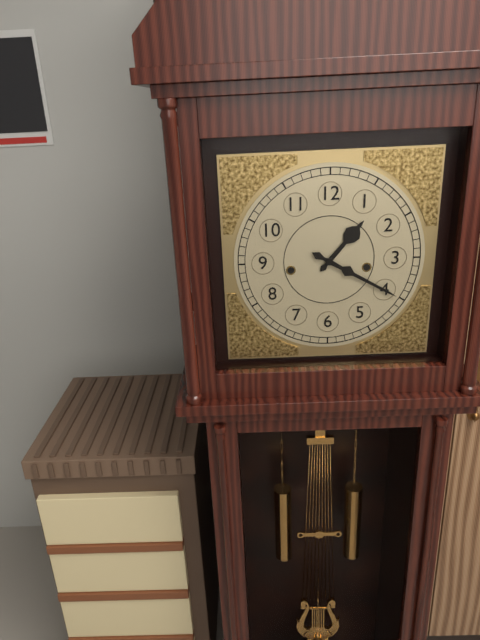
1:20
